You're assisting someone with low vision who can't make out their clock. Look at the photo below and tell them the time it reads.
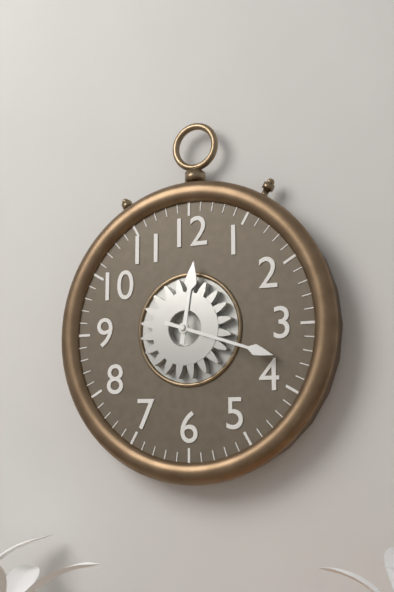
12:18
